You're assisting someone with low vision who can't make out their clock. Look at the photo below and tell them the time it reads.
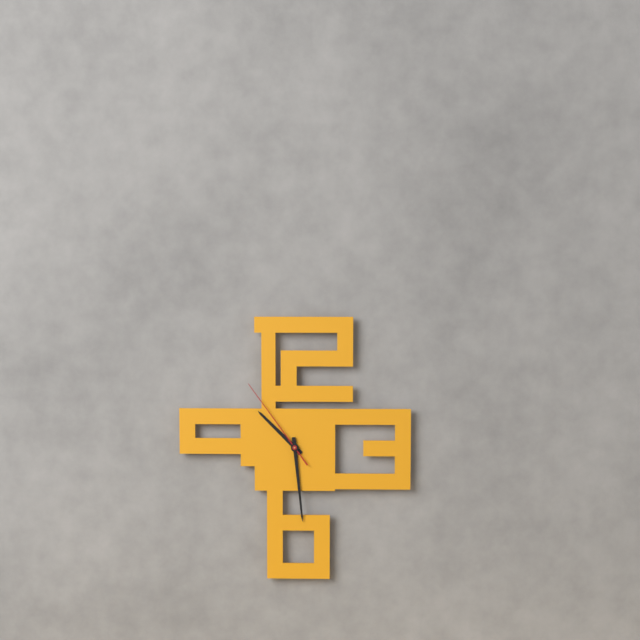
10:29:54
